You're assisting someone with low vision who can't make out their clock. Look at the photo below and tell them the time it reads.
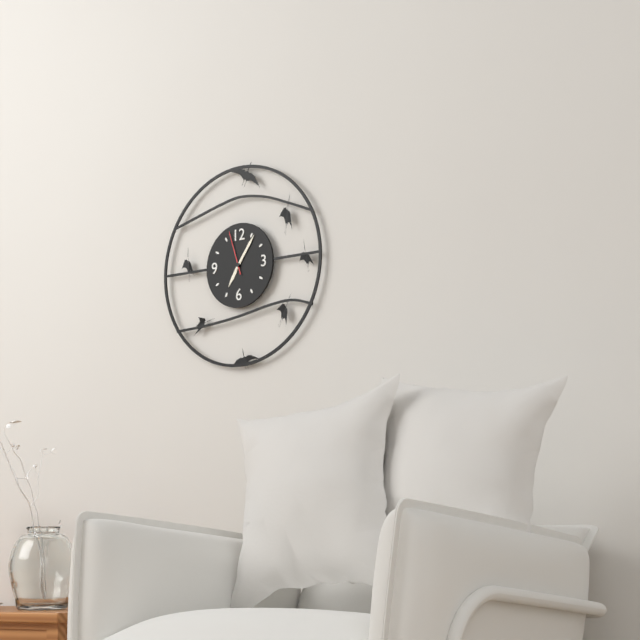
7:06
